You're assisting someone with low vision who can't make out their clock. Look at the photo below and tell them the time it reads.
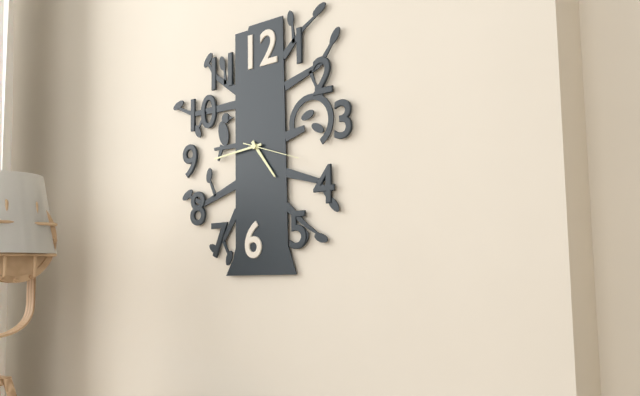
4:44:18
